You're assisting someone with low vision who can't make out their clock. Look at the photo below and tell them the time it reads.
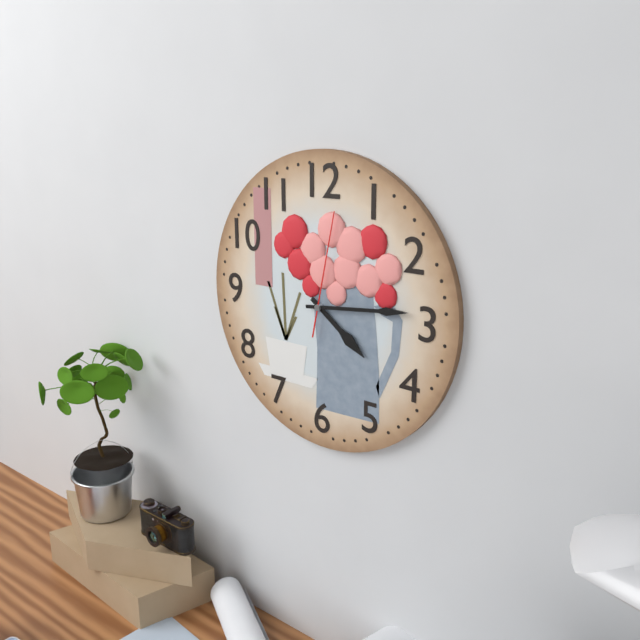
4:14:02
